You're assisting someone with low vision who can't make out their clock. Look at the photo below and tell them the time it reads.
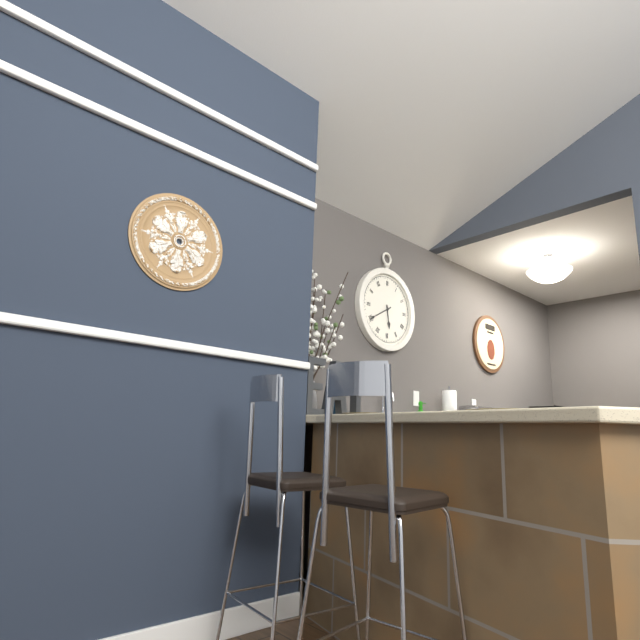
5:40
